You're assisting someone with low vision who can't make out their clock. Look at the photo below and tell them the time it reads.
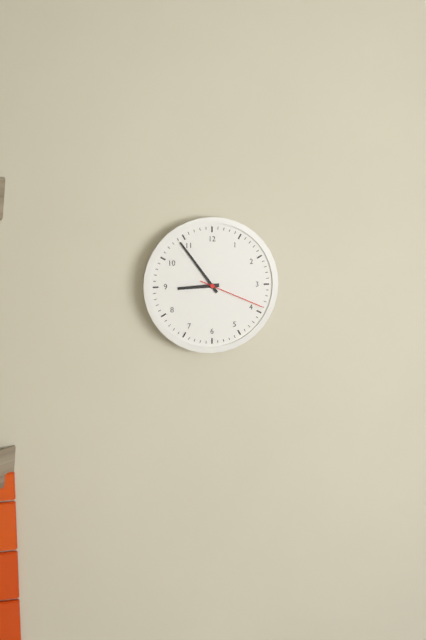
8:54:19
